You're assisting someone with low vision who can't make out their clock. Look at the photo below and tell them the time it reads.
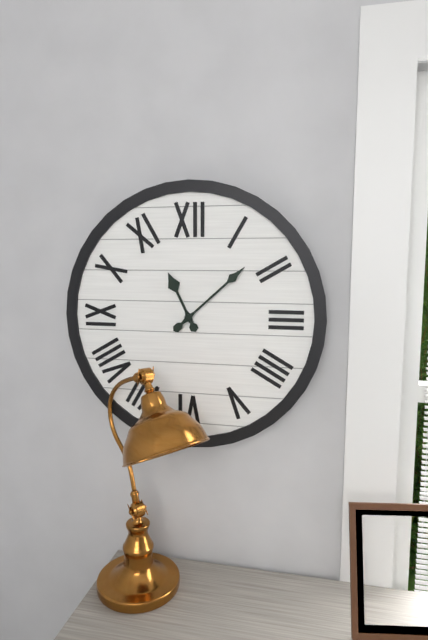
11:08
